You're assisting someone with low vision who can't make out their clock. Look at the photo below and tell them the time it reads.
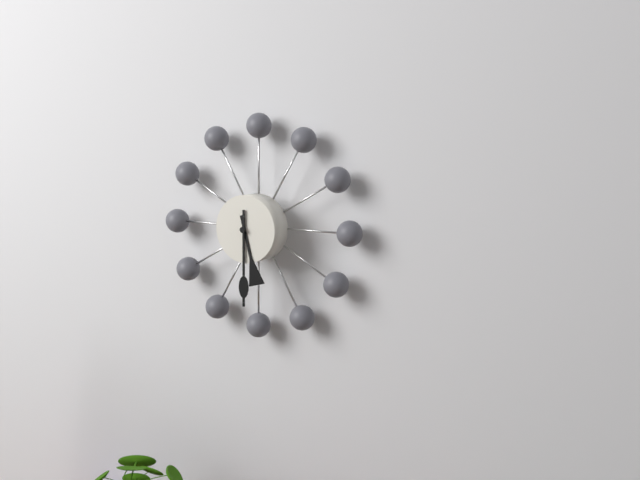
5:30
